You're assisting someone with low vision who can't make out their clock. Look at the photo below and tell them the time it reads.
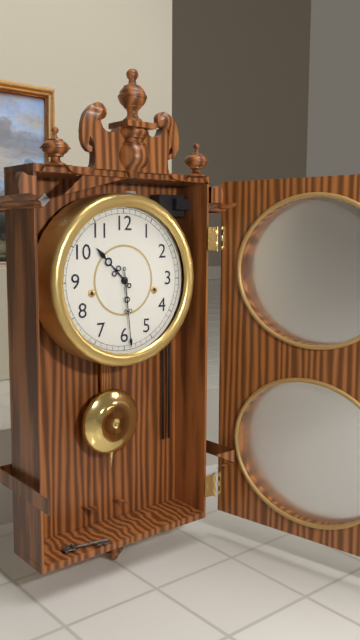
10:29
